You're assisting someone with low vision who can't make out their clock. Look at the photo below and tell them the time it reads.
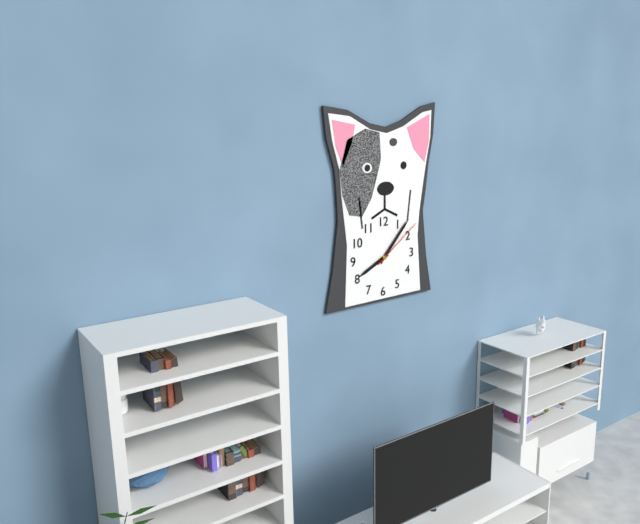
8:07:09
